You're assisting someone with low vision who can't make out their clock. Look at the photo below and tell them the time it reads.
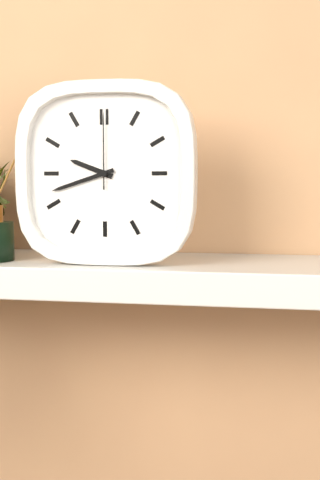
9:42:00
